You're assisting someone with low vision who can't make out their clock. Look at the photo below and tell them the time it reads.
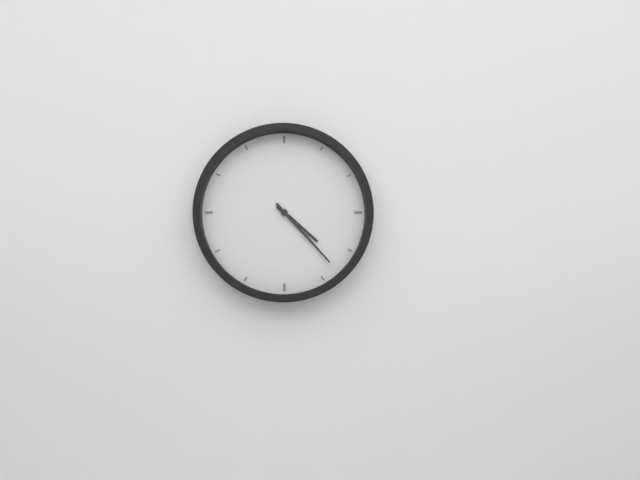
4:23
